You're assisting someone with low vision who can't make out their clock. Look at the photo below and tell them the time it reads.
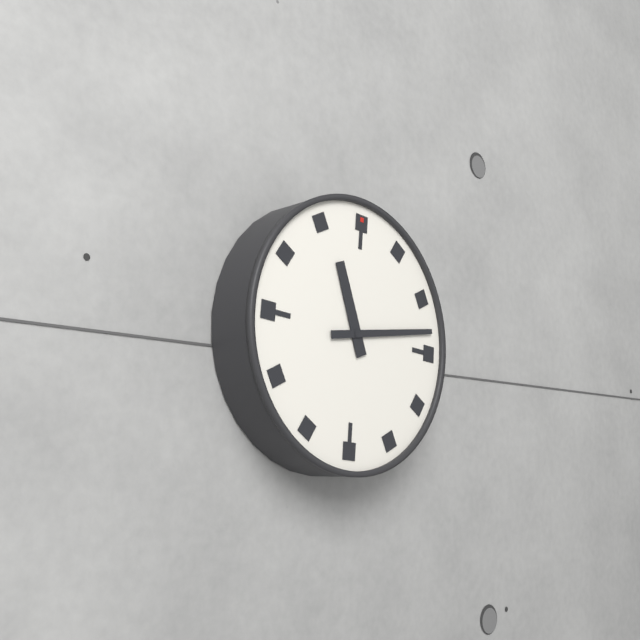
11:13
